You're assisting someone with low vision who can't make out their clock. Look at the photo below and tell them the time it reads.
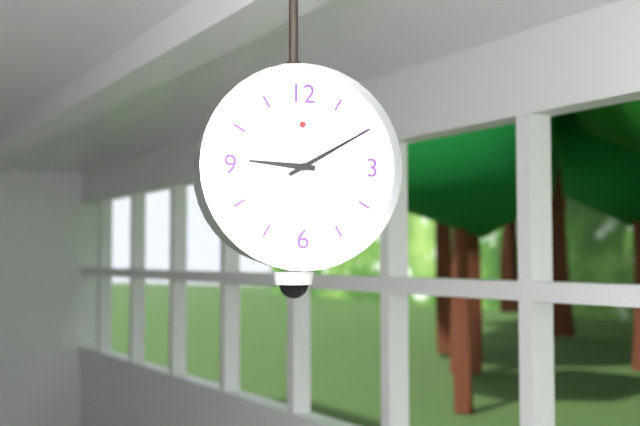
9:10
